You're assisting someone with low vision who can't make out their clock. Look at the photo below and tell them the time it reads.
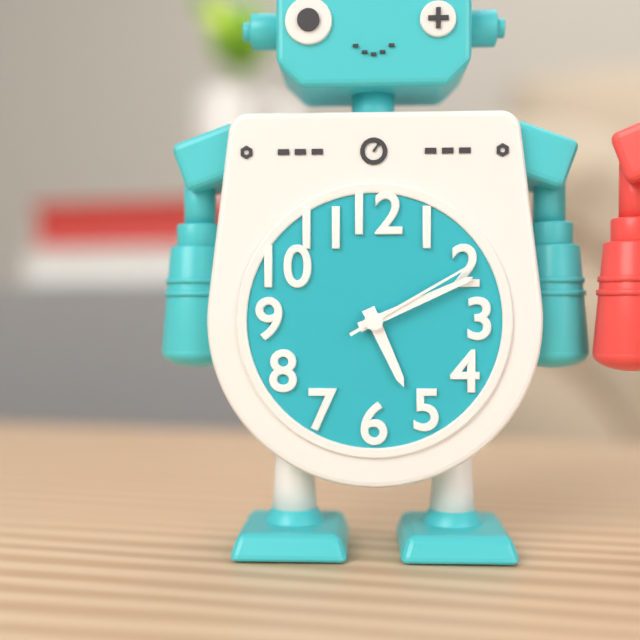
5:11:10
